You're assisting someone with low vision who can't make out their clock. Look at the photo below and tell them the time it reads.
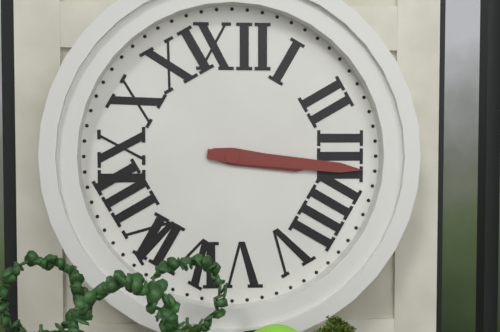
3:16
